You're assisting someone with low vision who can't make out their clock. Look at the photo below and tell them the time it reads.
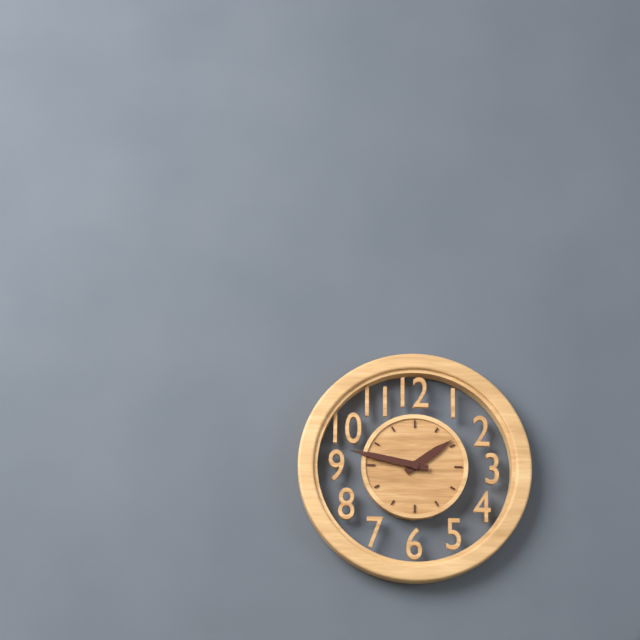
1:47
